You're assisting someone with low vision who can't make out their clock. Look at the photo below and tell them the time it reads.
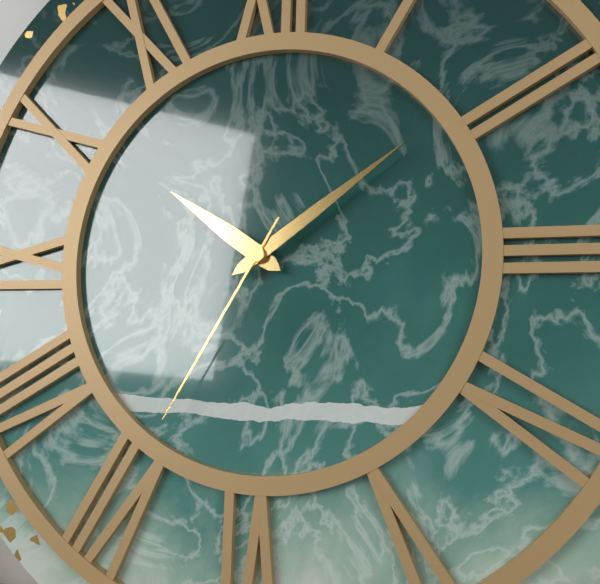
10:09:35
